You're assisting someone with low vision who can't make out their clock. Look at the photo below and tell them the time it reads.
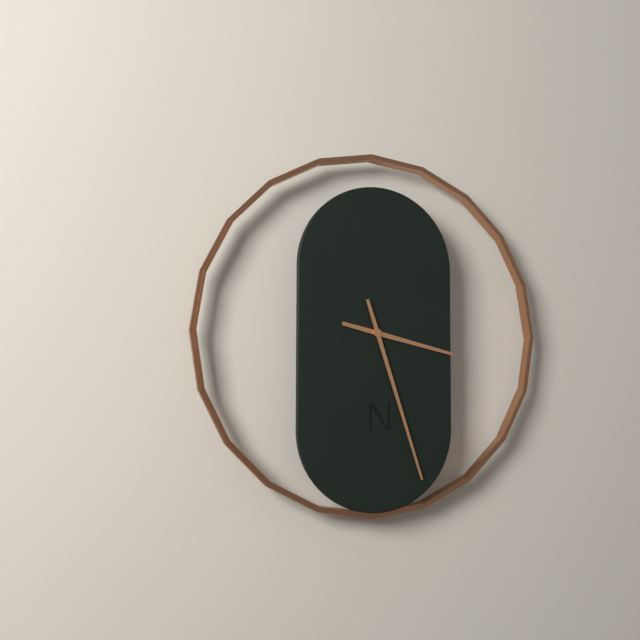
3:27
